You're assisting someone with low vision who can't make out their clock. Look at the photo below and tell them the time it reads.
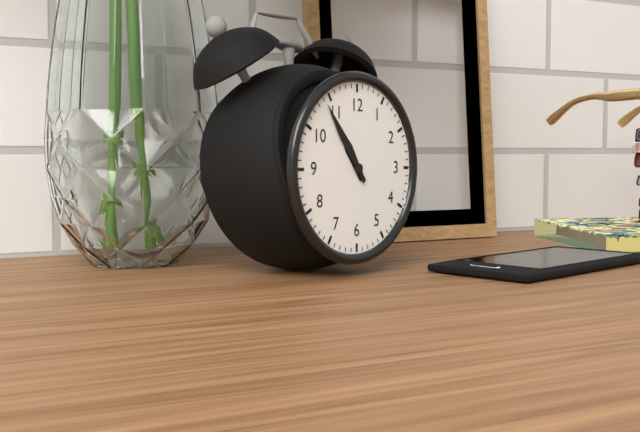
10:54
